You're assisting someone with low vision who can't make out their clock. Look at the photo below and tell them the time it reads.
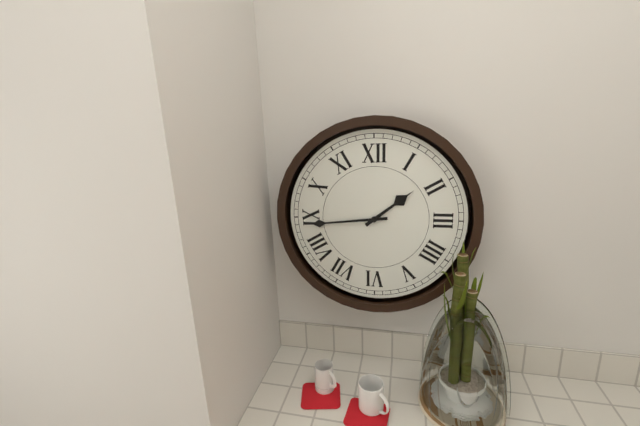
1:44
